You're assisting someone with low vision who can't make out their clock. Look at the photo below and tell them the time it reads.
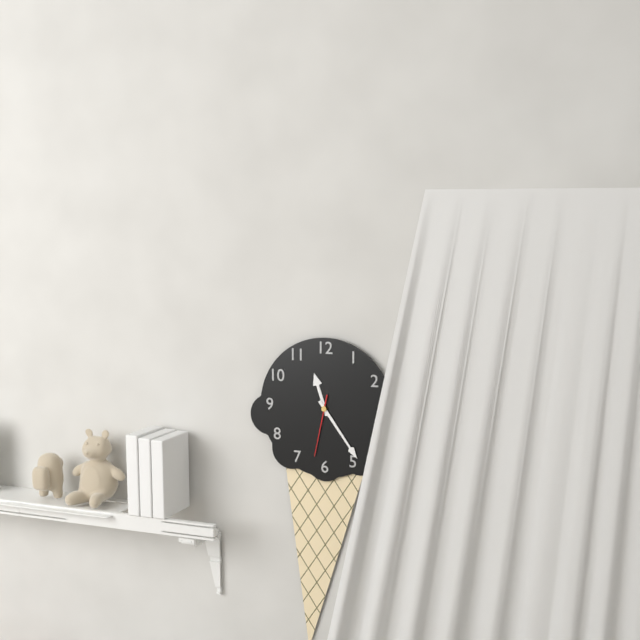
11:24:32
